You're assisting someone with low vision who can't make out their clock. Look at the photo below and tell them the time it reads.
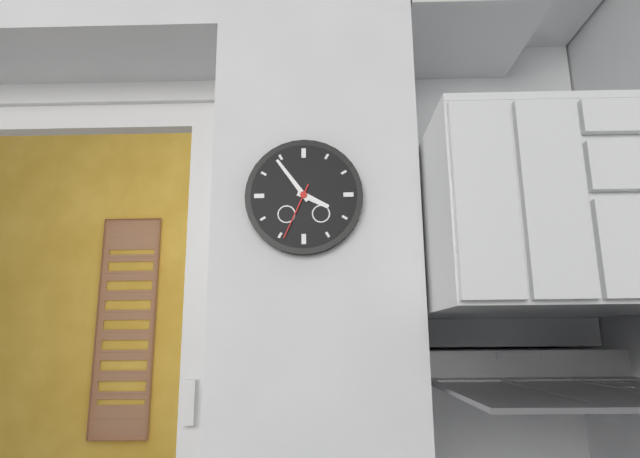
3:54:34
